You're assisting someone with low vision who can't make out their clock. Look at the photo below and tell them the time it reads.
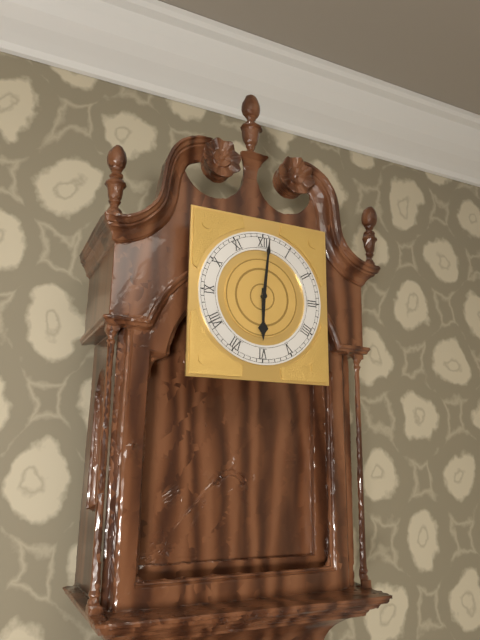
6:01
